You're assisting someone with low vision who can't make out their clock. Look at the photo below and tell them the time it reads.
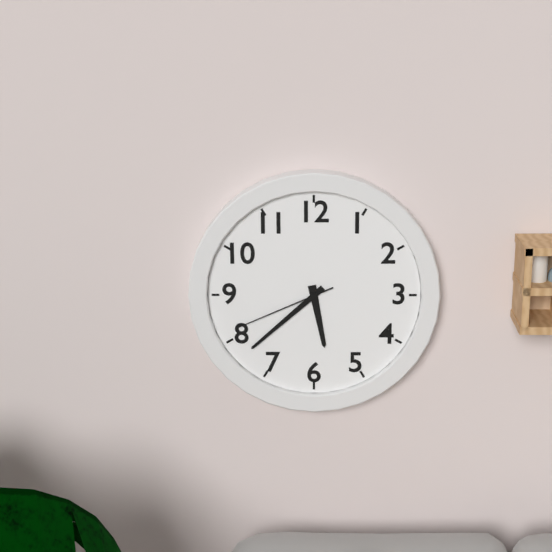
5:38:41
